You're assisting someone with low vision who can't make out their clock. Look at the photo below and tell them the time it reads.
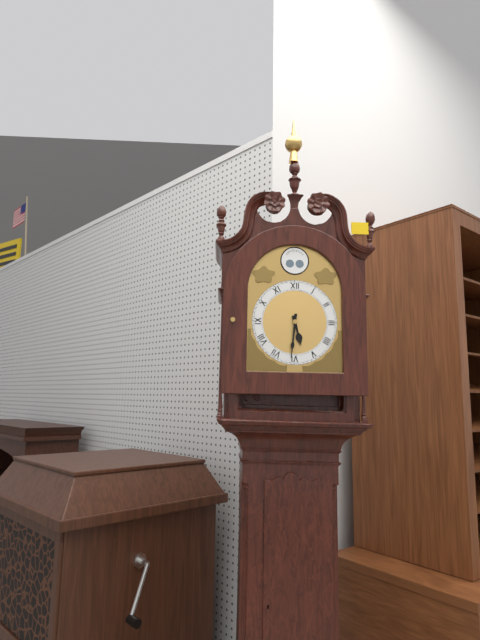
5:31
